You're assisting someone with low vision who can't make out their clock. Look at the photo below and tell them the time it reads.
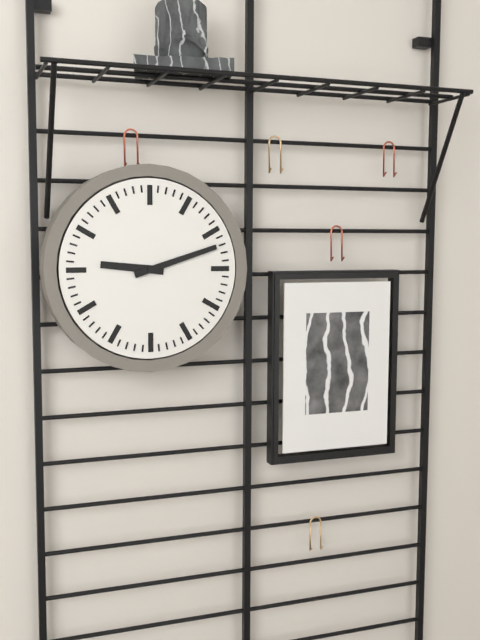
9:12
